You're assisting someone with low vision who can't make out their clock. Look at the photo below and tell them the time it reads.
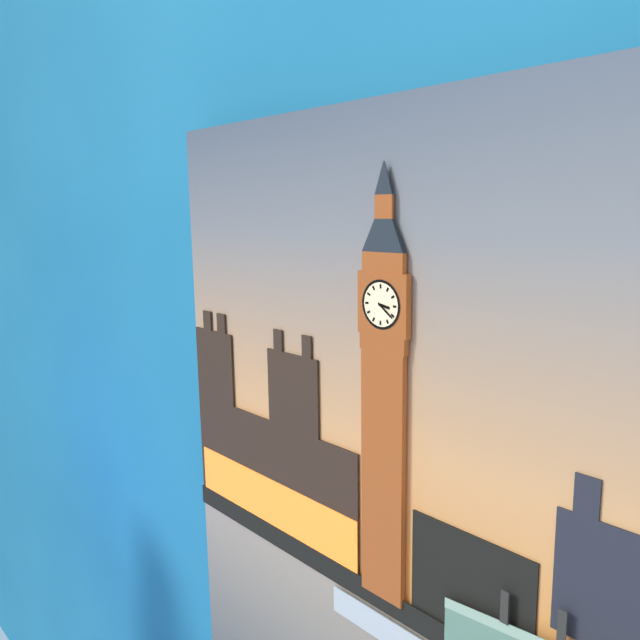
3:21
